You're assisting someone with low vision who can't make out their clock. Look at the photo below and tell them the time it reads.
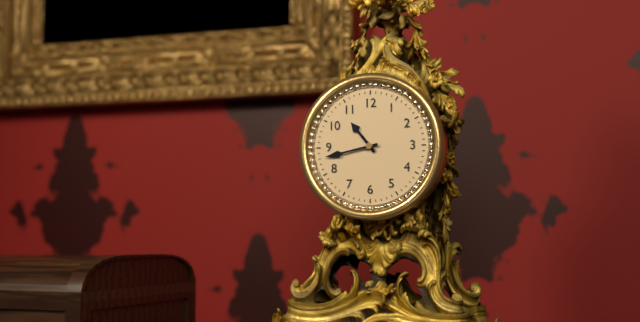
10:43
